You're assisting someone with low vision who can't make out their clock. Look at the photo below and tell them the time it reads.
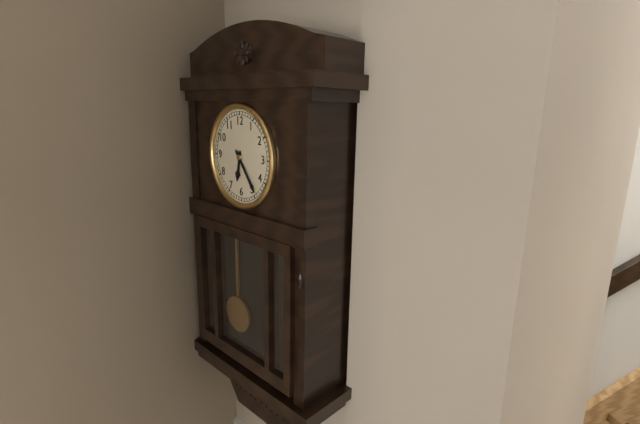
6:24
